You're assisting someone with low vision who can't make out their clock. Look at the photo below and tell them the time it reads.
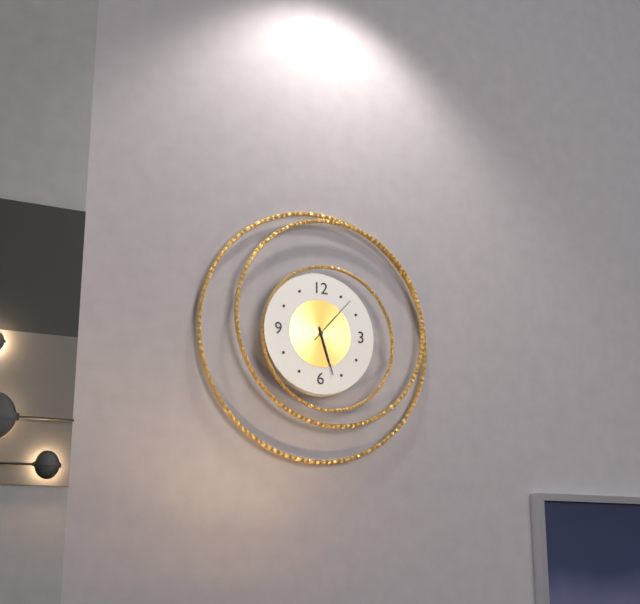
5:27:07
